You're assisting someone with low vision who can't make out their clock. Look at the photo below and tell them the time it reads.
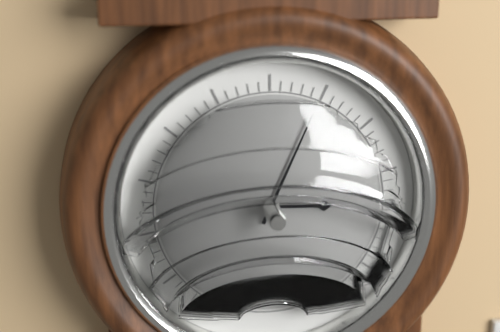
3:04
